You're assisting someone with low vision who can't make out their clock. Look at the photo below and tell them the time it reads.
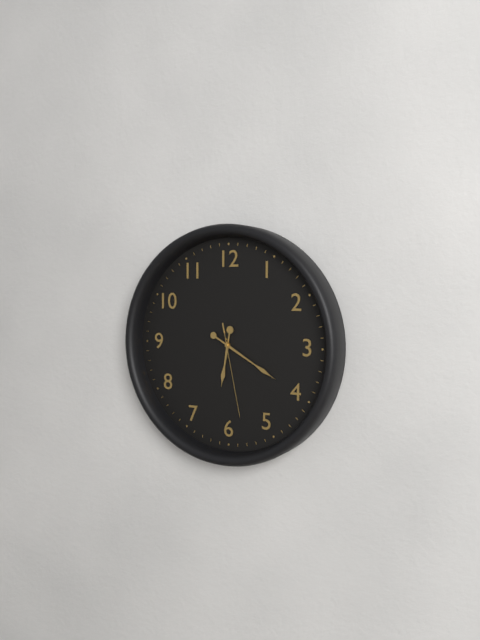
6:20:28
